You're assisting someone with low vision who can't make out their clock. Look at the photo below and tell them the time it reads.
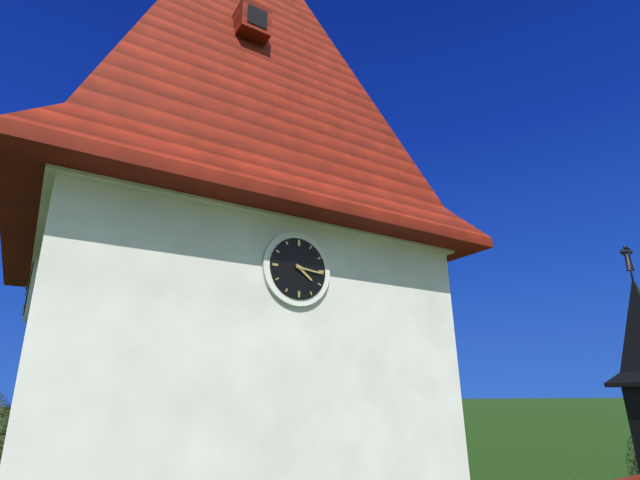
4:16
